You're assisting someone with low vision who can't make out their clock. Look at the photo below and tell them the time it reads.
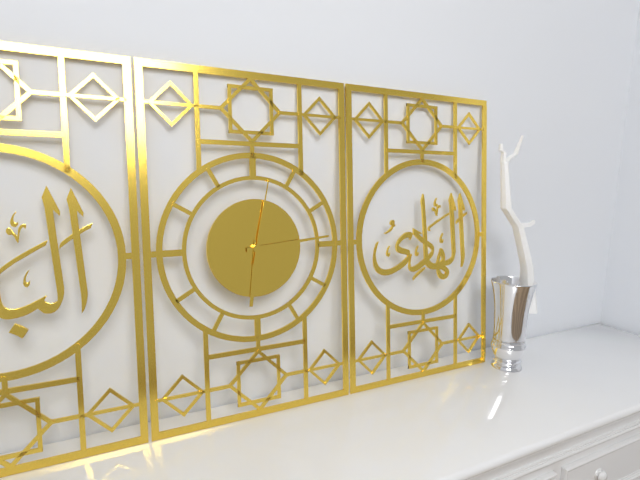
6:14:02
